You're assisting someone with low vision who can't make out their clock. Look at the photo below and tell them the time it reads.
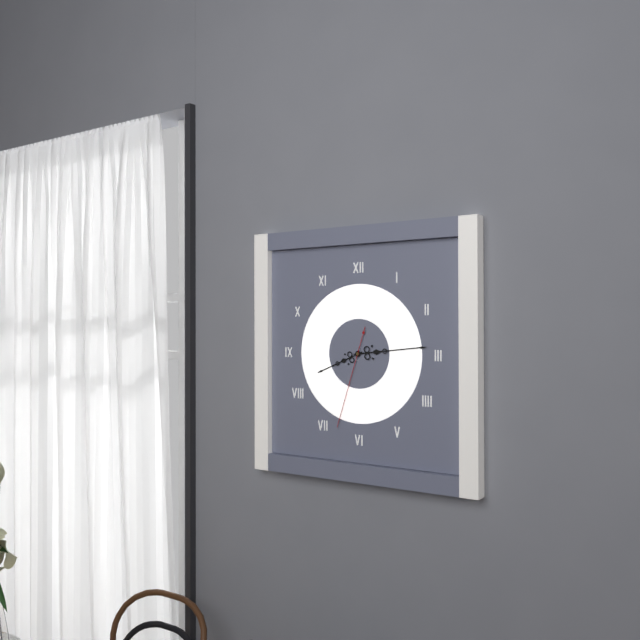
8:14:33
